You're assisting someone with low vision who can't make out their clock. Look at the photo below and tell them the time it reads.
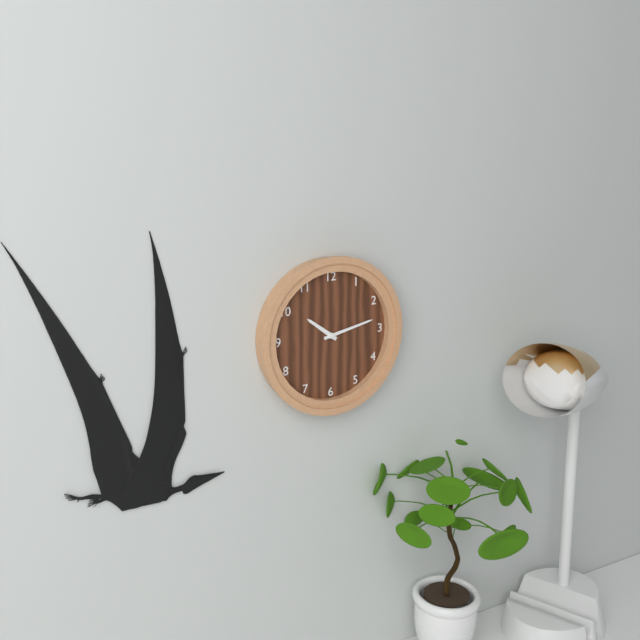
10:13
